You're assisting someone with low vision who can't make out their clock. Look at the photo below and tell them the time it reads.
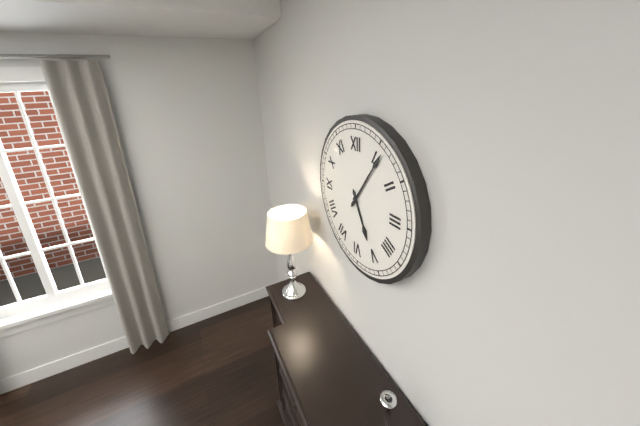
5:06
